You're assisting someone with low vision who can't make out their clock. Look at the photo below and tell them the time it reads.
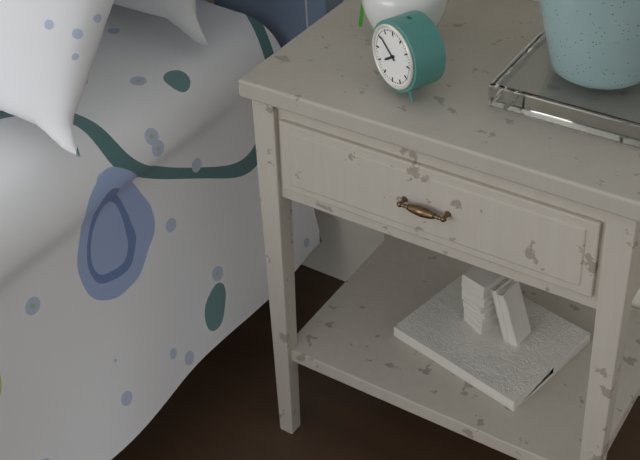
7:51
